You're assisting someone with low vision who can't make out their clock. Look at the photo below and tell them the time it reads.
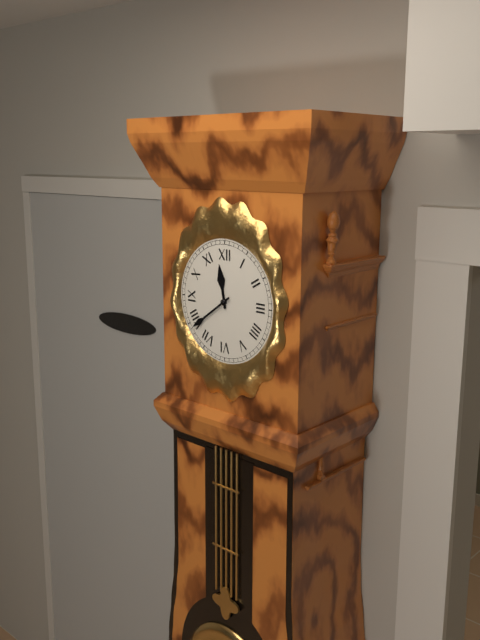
11:39
